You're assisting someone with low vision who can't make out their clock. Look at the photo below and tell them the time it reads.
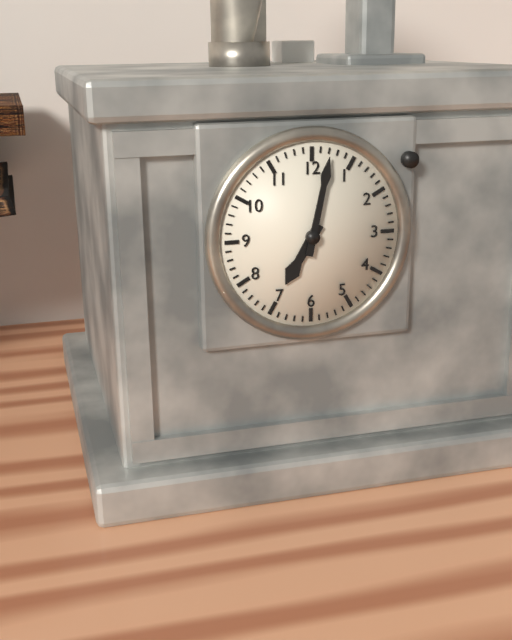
7:02
